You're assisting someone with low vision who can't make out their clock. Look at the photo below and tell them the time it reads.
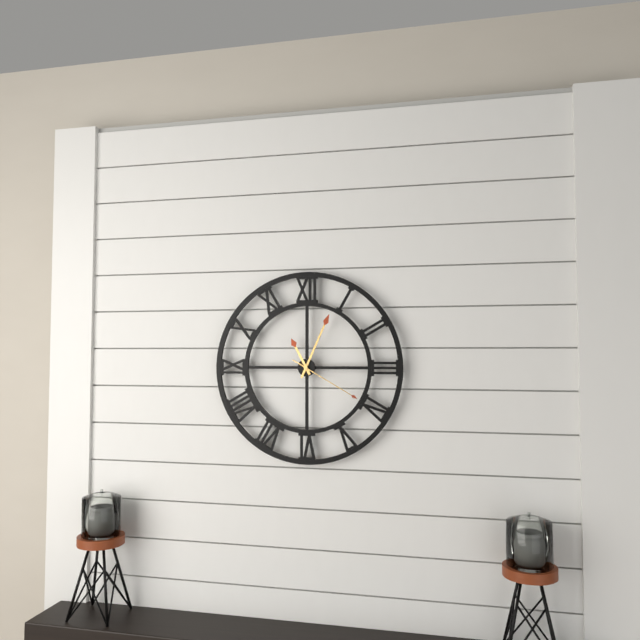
11:04:20
